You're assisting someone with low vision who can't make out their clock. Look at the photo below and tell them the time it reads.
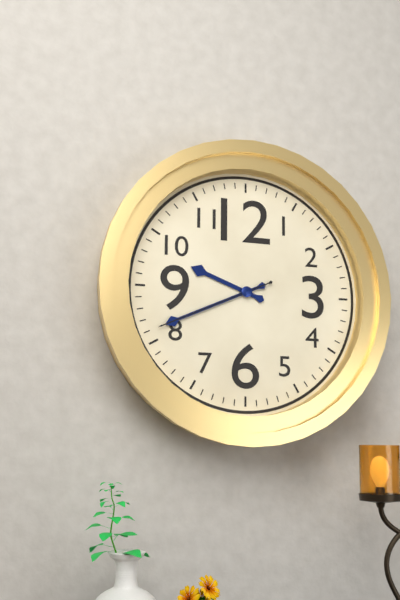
9:41:41
